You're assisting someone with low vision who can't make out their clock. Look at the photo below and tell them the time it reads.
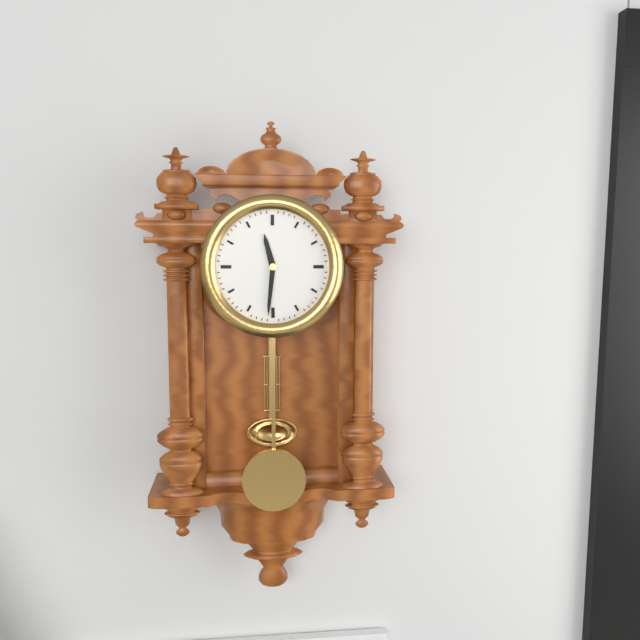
11:31
